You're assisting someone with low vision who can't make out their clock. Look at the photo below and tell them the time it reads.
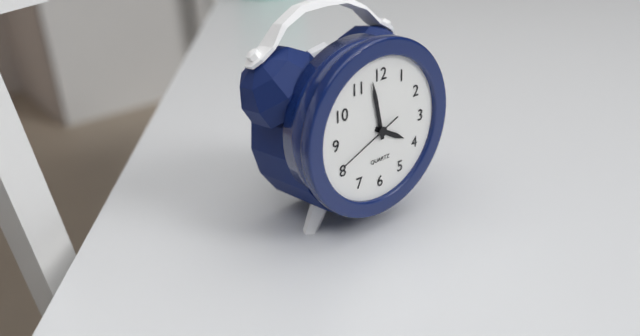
3:58:41
